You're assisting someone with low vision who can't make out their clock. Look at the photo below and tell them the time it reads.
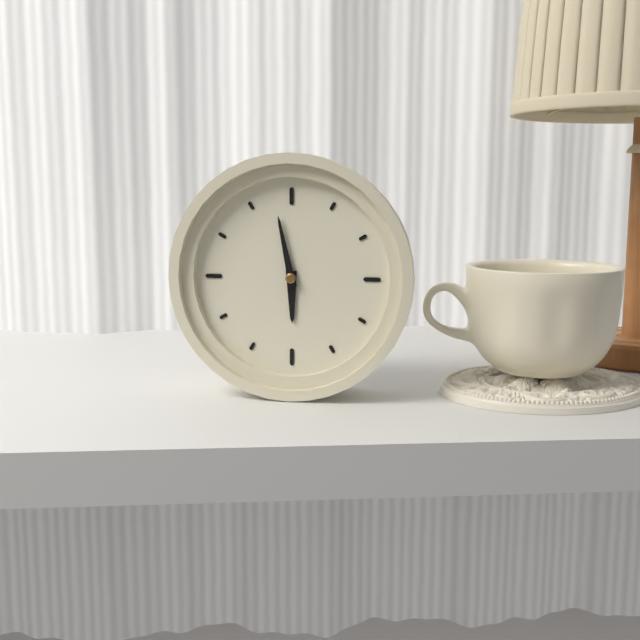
5:58
